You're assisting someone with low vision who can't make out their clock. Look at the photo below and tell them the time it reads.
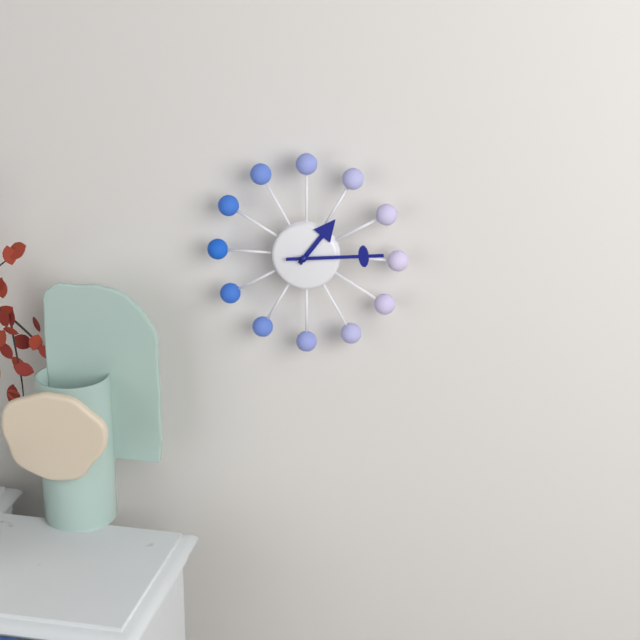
1:14
